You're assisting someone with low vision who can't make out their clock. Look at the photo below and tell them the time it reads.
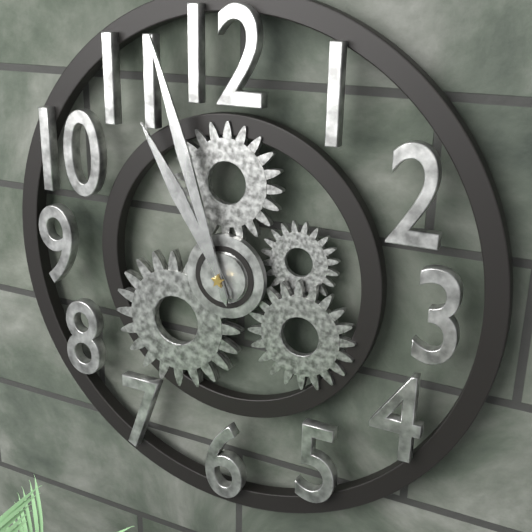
10:57
